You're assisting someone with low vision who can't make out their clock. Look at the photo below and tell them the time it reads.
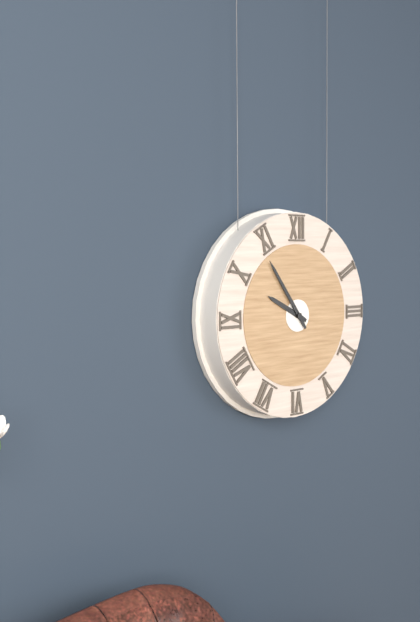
9:54
